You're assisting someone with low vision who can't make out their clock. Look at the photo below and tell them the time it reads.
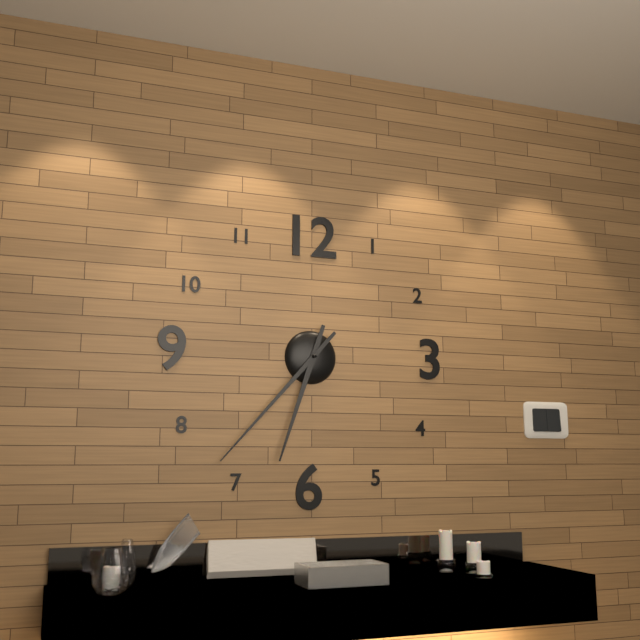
6:37
